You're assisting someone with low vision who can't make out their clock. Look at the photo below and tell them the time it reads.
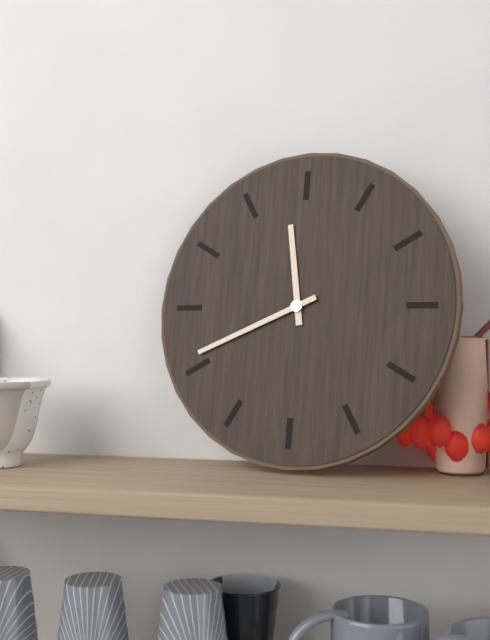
11:41
